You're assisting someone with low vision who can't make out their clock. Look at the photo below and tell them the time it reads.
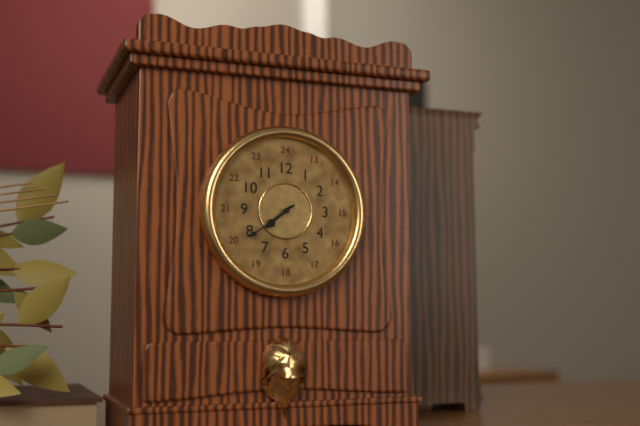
7:39
